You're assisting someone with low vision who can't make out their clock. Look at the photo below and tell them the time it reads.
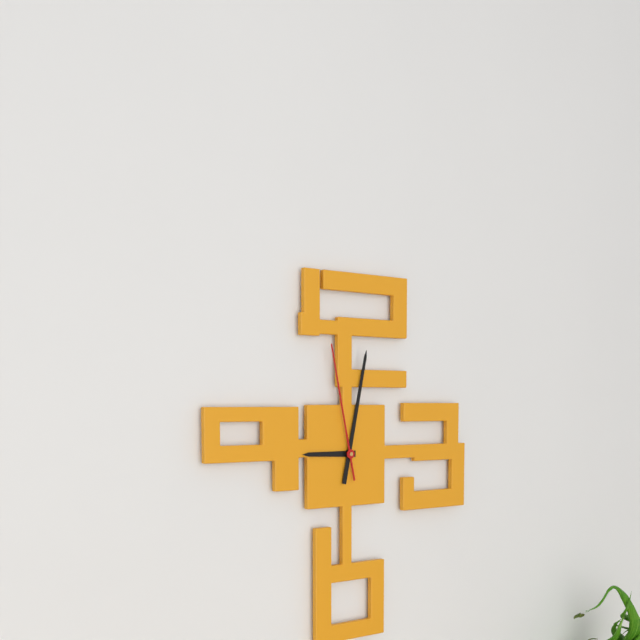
9:02:58
